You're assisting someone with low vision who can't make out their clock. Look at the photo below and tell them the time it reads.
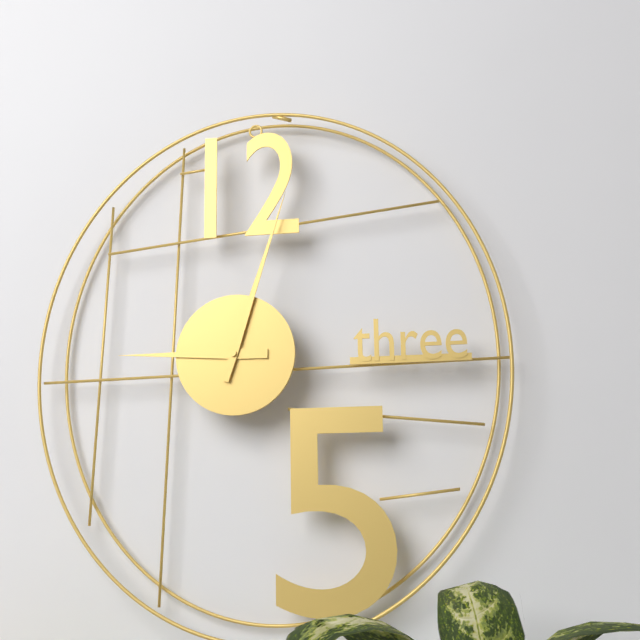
9:03
